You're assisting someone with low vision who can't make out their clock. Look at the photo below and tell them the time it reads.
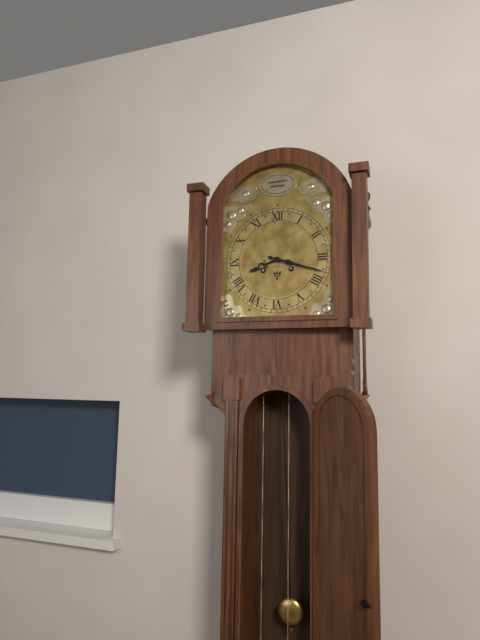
8:18
